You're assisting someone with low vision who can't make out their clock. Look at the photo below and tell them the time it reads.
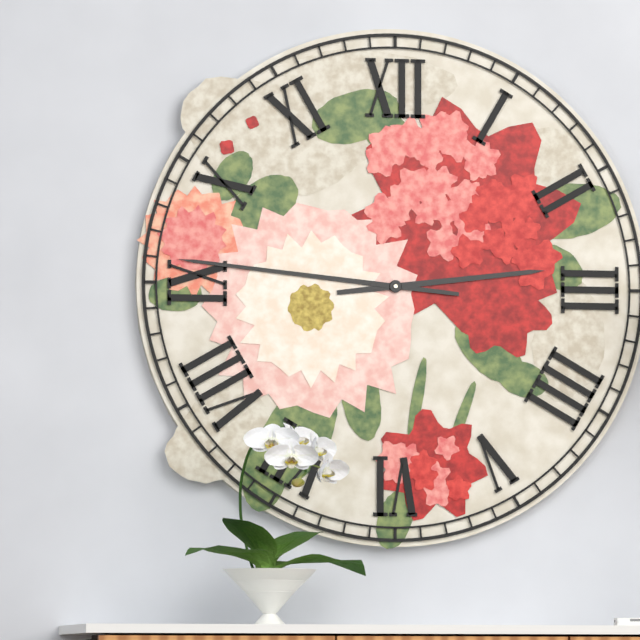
2:46
